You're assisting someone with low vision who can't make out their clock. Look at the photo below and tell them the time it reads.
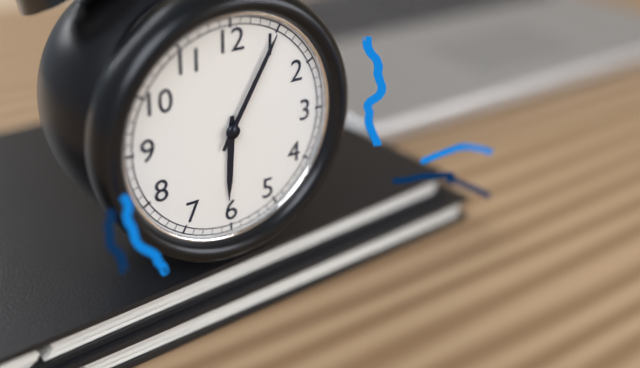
6:05
